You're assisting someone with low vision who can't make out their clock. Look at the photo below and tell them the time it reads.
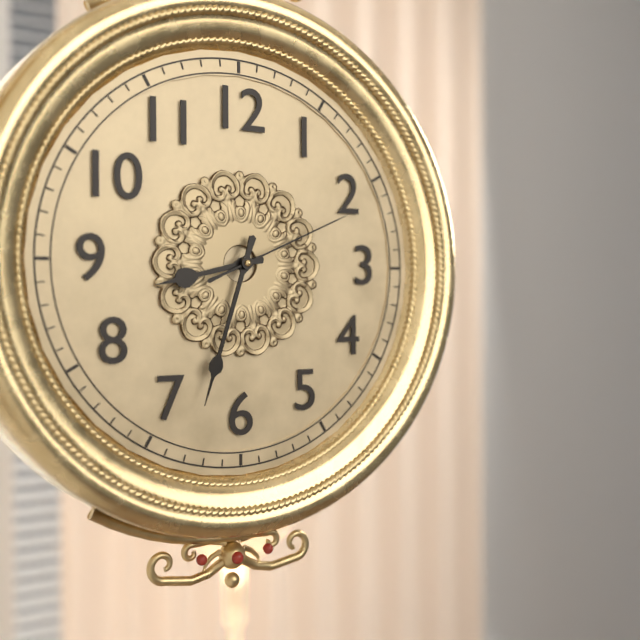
8:33:11
